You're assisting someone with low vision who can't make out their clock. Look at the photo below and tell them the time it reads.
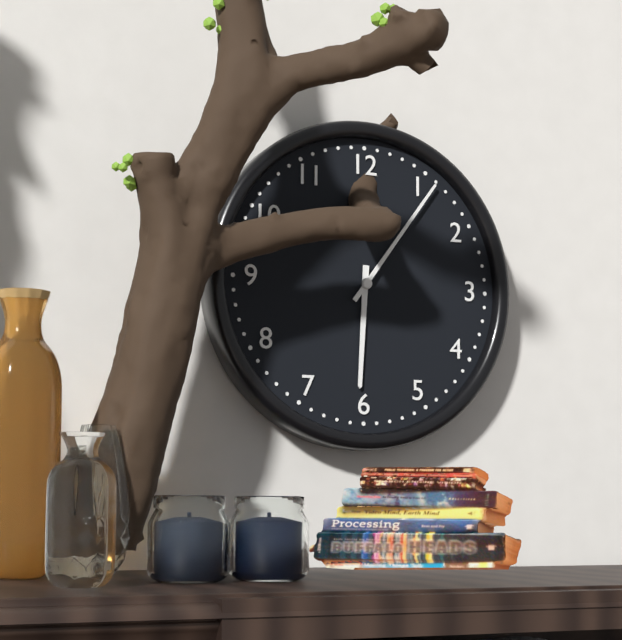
6:06
